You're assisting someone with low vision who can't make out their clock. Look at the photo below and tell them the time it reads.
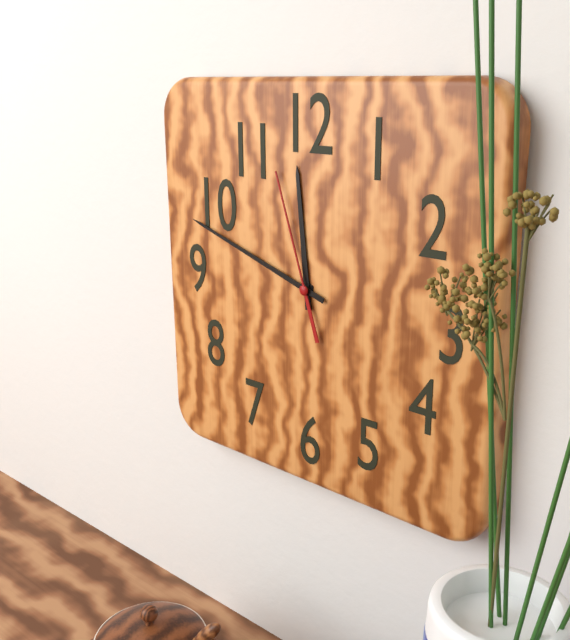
11:48:57
